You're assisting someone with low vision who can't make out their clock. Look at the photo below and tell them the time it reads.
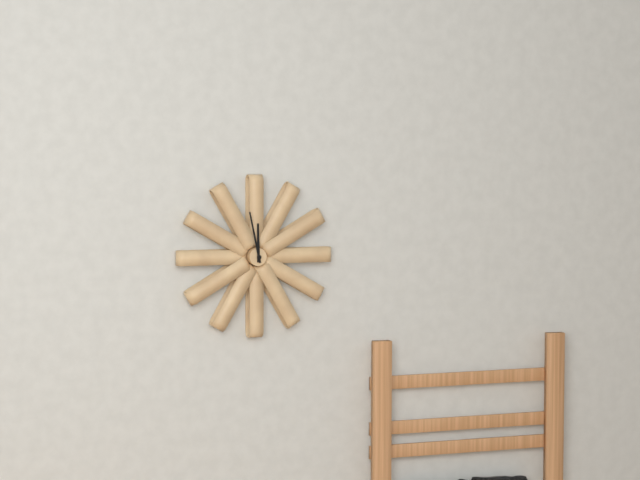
11:58
